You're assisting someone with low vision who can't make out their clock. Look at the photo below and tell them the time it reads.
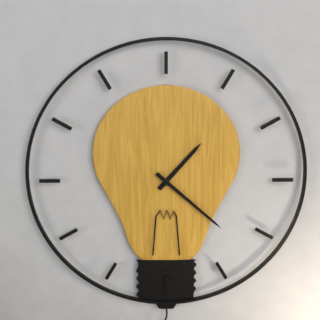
1:22
